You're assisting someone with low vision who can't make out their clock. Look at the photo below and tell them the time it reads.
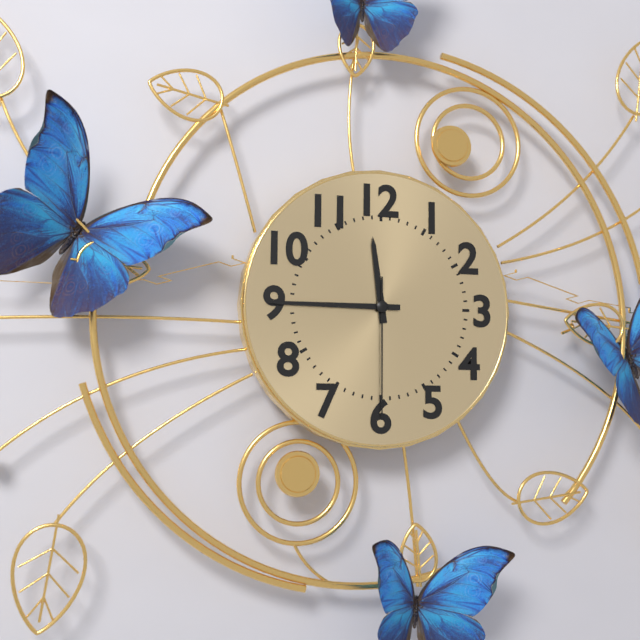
11:45:30
